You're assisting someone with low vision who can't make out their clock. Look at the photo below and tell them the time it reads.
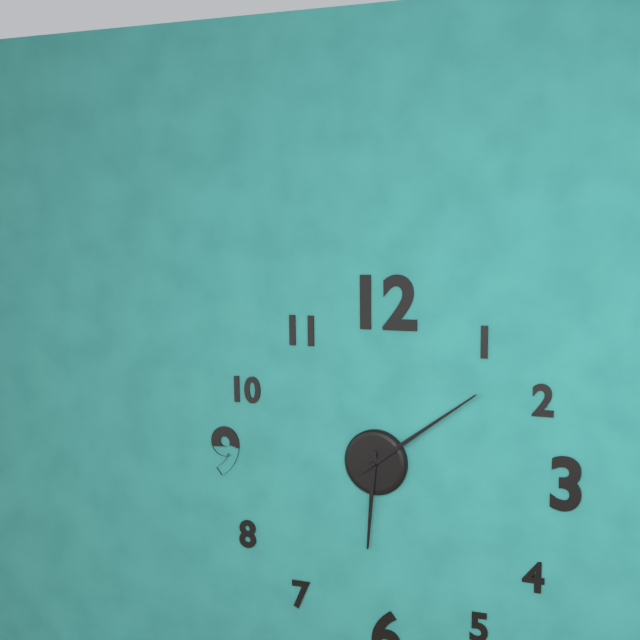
6:09
